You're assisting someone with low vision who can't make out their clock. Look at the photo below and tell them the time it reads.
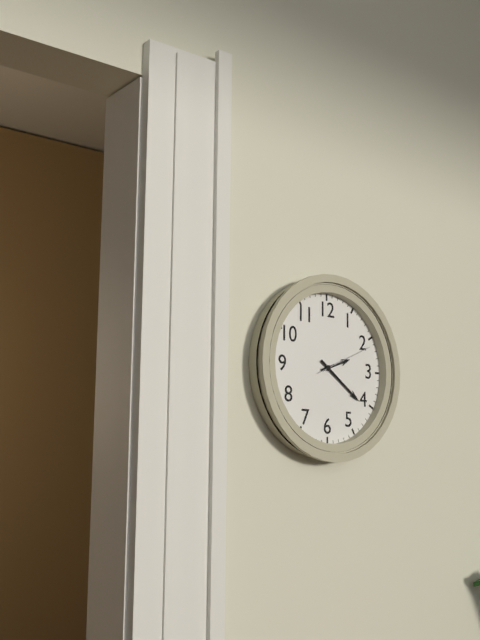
2:21:11
